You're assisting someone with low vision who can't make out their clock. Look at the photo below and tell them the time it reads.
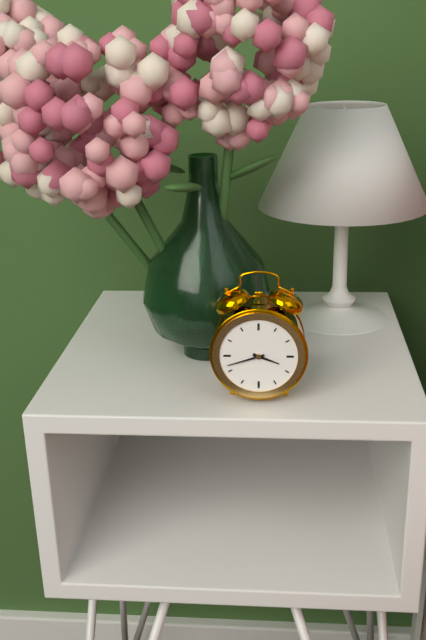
3:42
